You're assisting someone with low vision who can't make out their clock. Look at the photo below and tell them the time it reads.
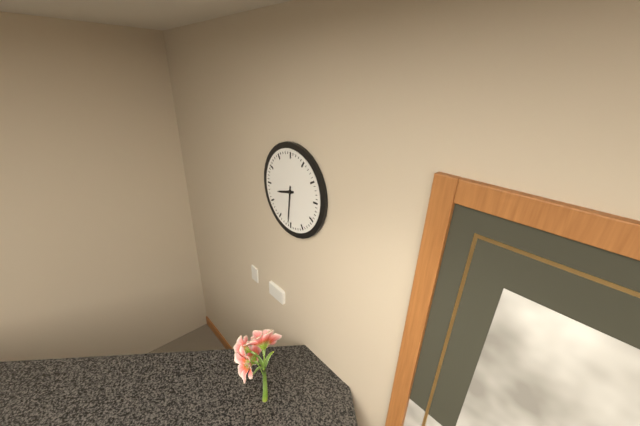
8:31
